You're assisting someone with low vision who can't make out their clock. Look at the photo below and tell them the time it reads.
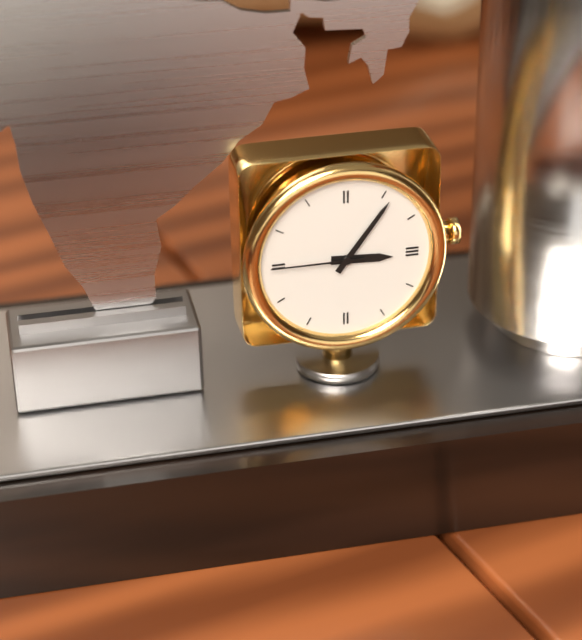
3:06:45
